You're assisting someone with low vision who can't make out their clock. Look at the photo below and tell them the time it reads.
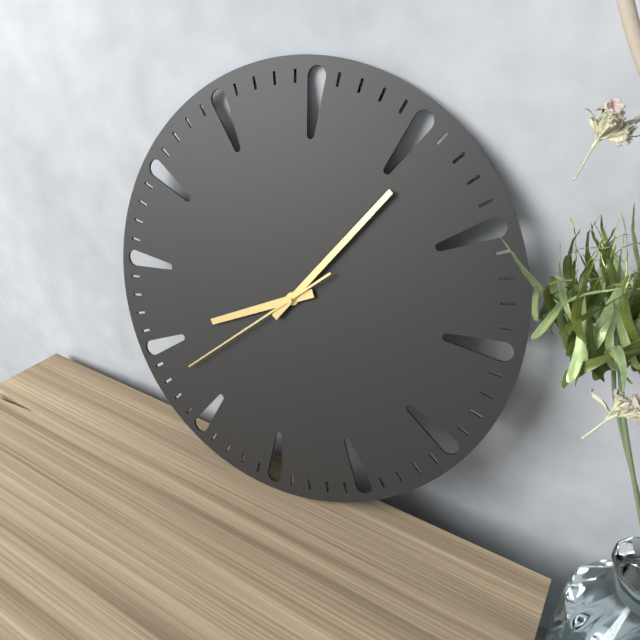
8:06:38
